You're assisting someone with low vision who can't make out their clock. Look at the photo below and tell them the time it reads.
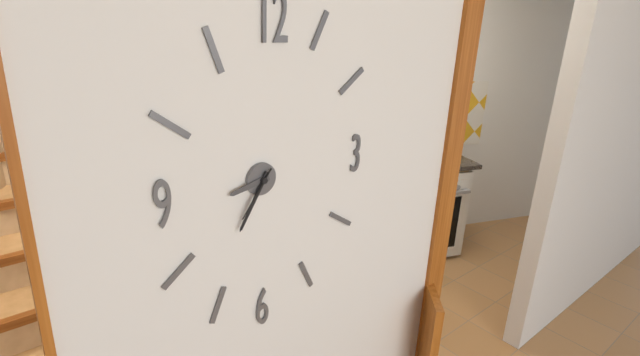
8:35:36
